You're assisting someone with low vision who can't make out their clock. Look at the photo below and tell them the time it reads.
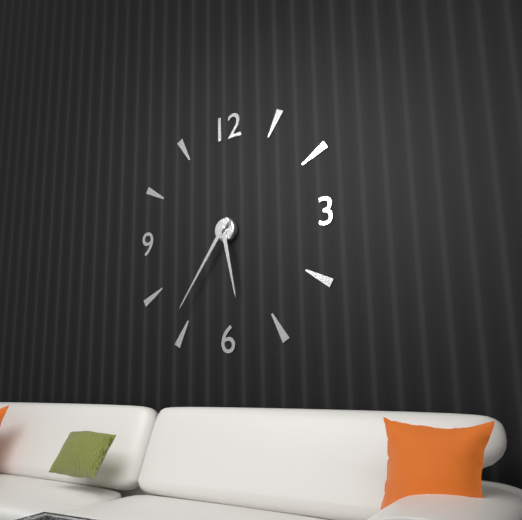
5:36
